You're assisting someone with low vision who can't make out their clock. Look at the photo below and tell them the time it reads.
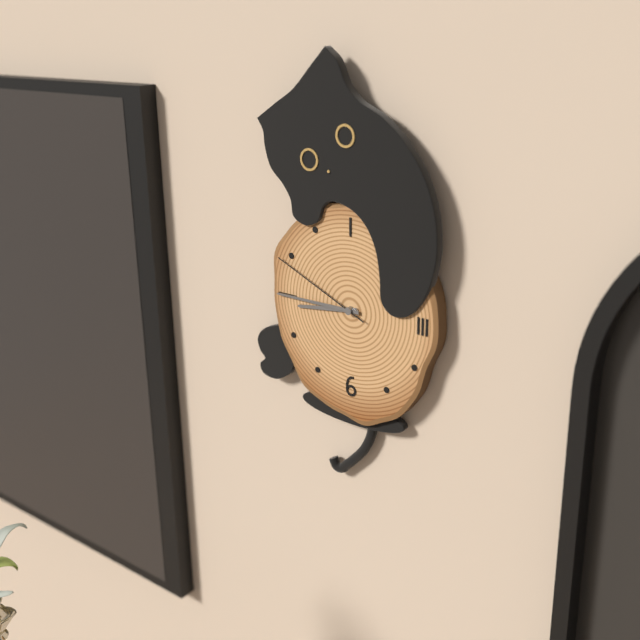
8:45:49
